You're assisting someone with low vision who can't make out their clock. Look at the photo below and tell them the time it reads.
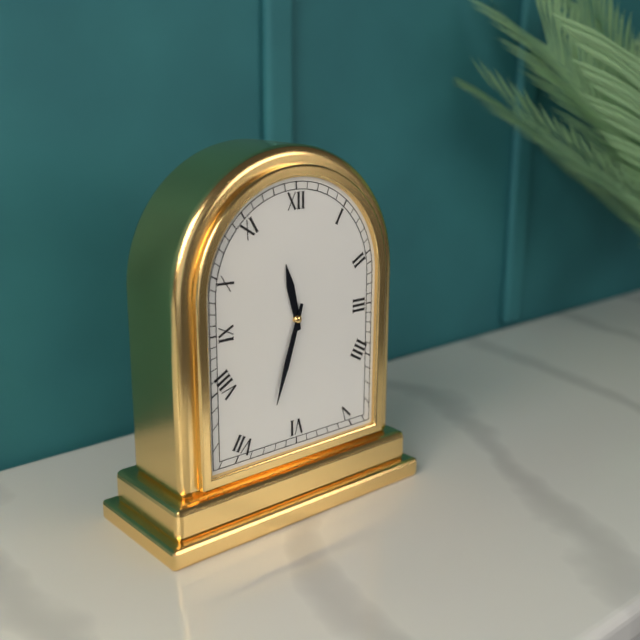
11:33
